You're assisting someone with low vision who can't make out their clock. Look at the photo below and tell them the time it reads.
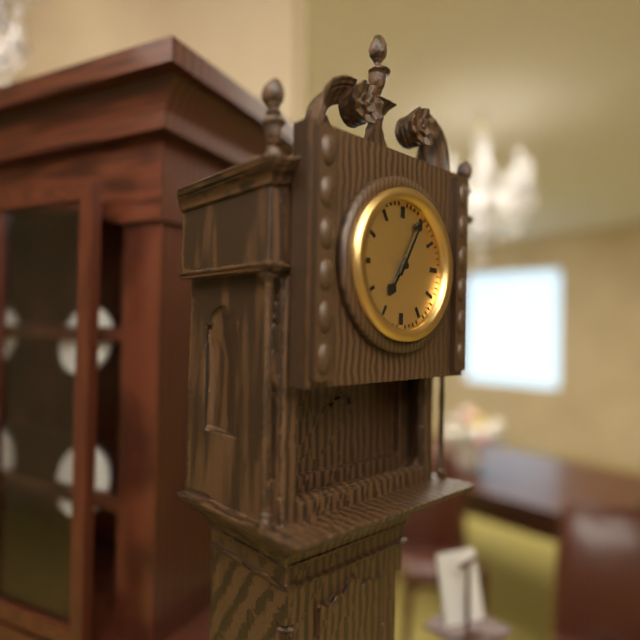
7:05
